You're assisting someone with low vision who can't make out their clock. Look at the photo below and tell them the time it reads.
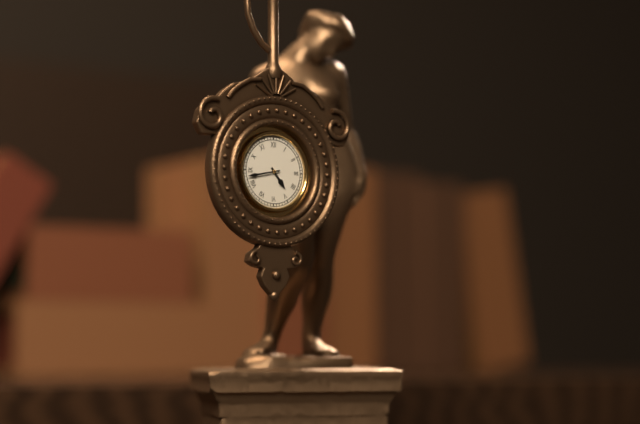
4:43
